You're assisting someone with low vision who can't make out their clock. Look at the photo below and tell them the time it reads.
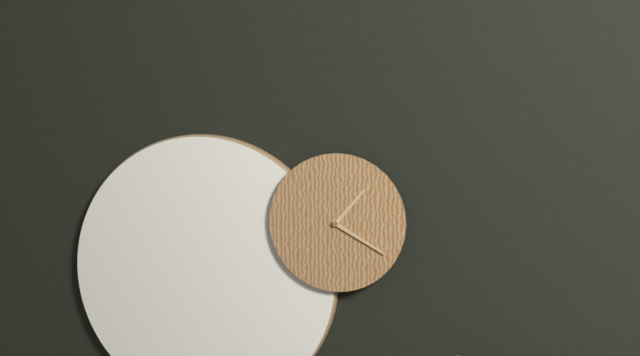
1:20
